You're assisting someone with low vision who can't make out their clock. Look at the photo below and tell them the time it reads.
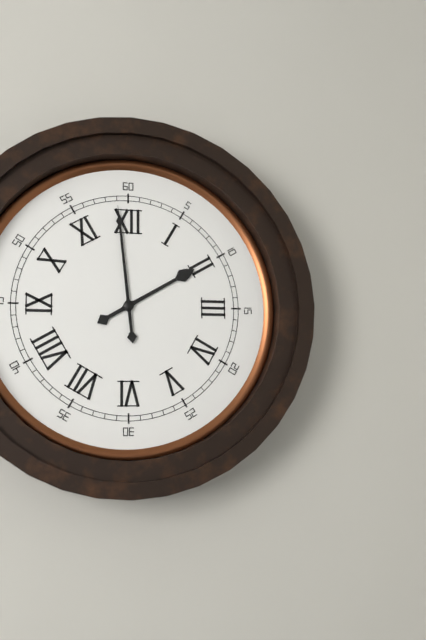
1:59
